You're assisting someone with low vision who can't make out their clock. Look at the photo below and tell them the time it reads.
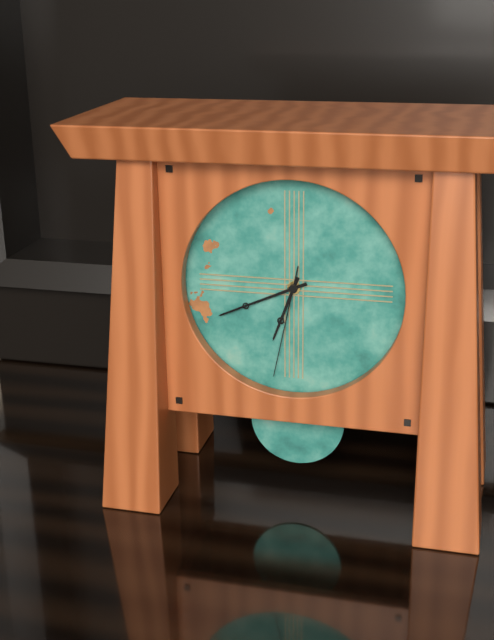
6:41:32
